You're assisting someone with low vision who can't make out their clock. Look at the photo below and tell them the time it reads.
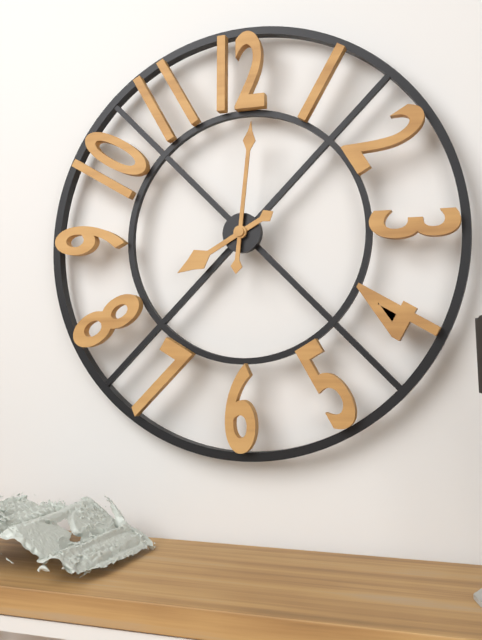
8:01
